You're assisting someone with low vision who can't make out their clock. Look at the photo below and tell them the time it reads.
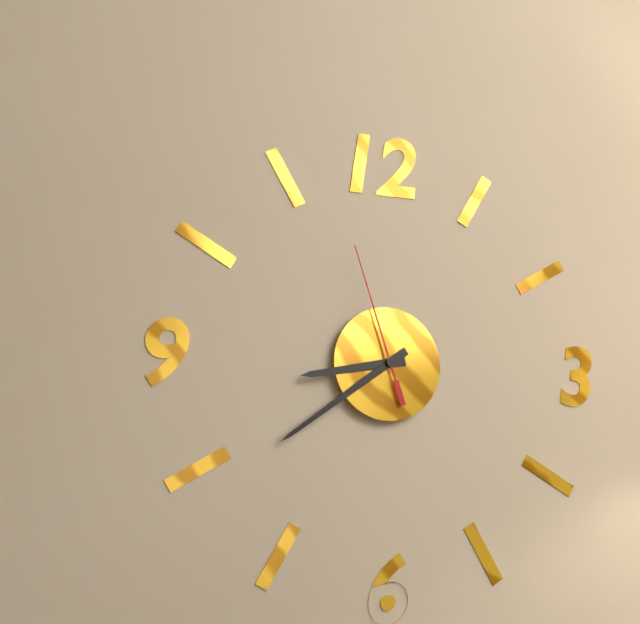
8:39:57
